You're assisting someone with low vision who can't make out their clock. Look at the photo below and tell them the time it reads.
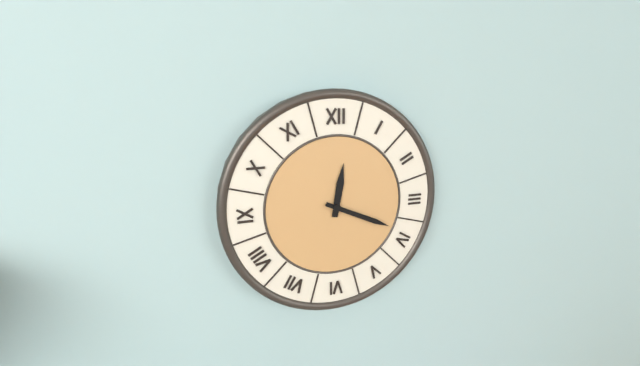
12:19
